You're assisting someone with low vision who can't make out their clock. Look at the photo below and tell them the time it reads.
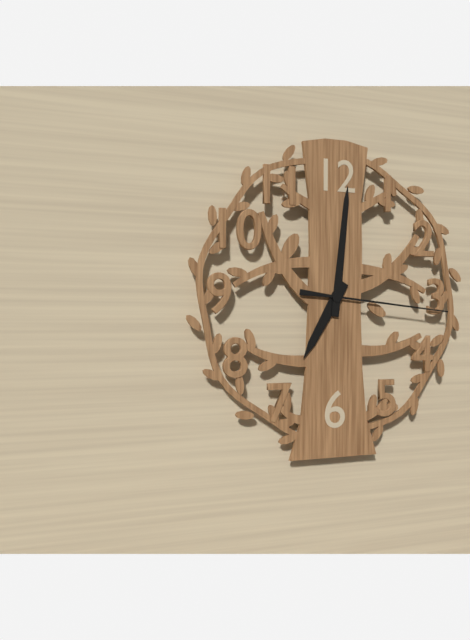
7:01:16
